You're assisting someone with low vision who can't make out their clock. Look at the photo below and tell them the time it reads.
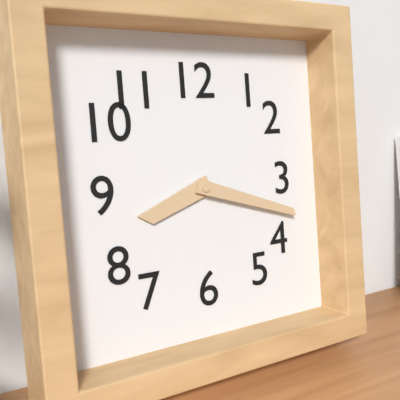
8:18
